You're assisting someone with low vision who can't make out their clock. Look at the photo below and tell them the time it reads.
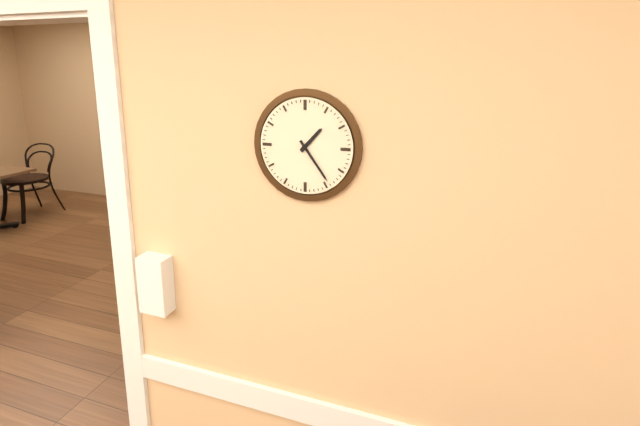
1:24
